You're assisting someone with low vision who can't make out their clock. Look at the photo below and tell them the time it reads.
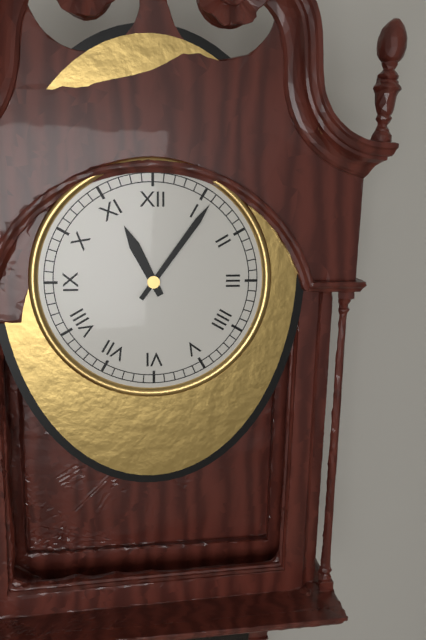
11:06
